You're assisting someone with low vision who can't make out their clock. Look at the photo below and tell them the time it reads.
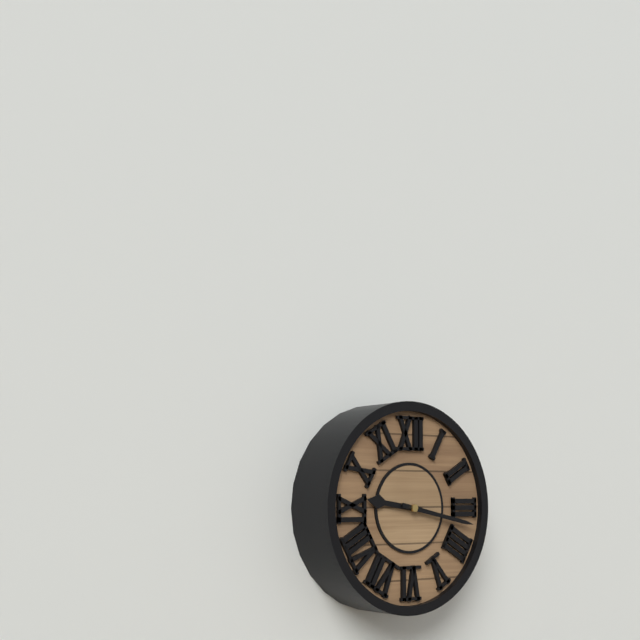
9:17
